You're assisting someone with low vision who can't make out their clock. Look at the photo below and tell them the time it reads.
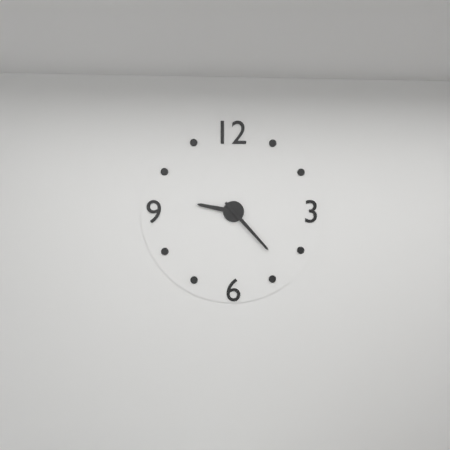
9:23
